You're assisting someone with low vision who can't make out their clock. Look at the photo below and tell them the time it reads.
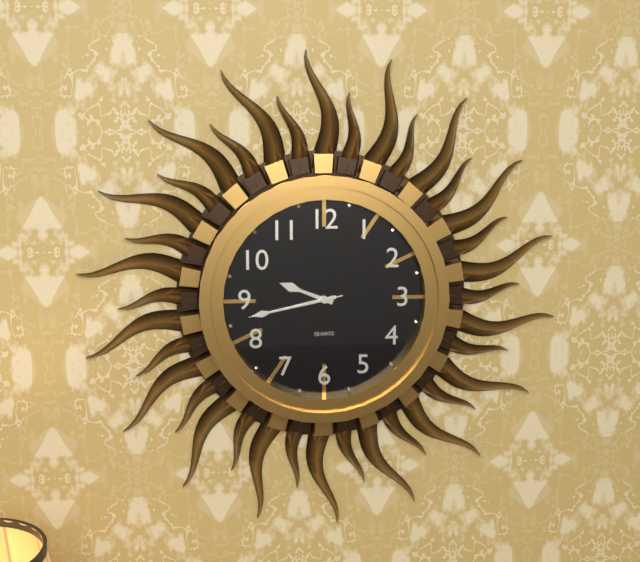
9:43:43
